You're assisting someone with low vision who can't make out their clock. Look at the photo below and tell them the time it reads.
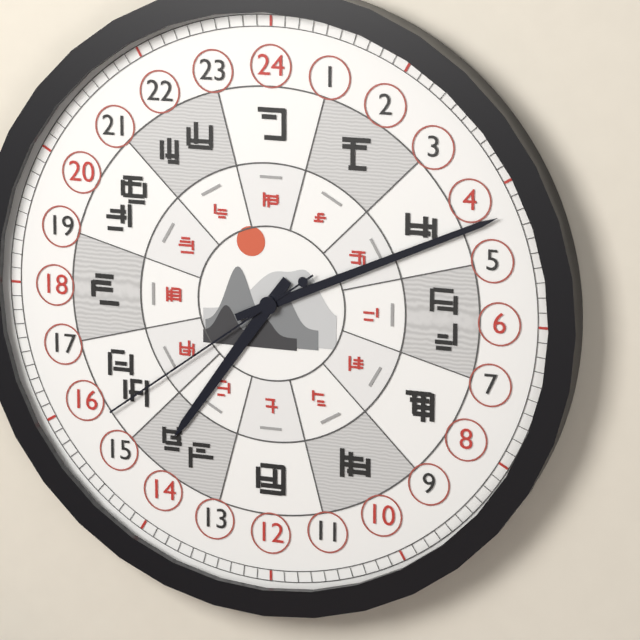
7:11:39
